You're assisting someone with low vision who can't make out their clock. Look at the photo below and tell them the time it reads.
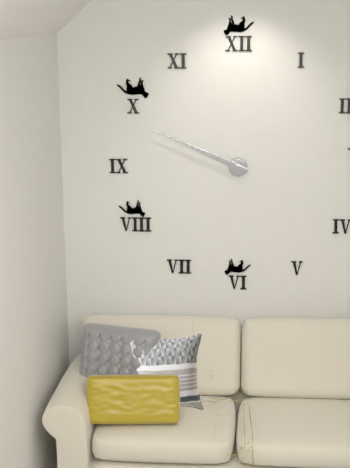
9:49
